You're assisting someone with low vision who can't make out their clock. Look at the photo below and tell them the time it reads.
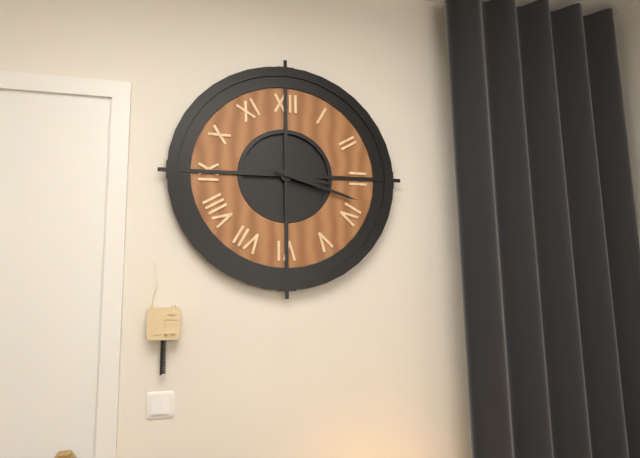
3:18
